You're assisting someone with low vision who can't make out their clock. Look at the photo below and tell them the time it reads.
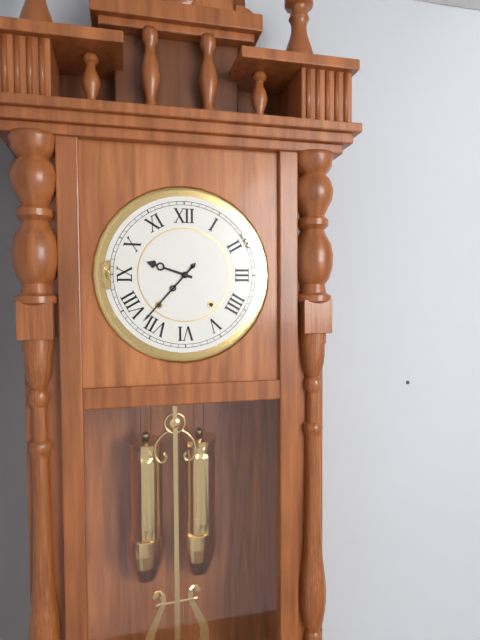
9:37
